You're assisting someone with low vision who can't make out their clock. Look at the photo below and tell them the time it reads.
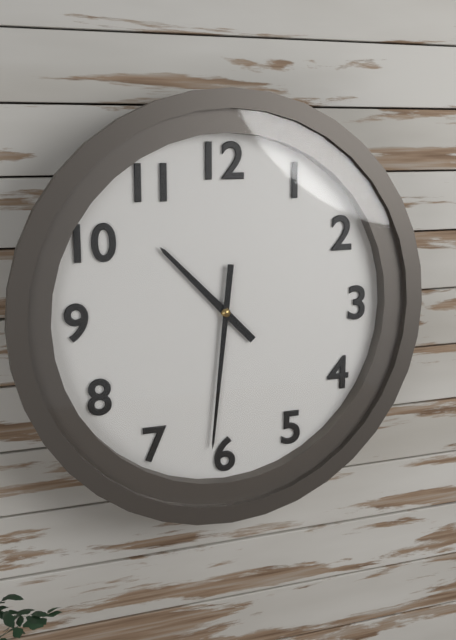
10:31
